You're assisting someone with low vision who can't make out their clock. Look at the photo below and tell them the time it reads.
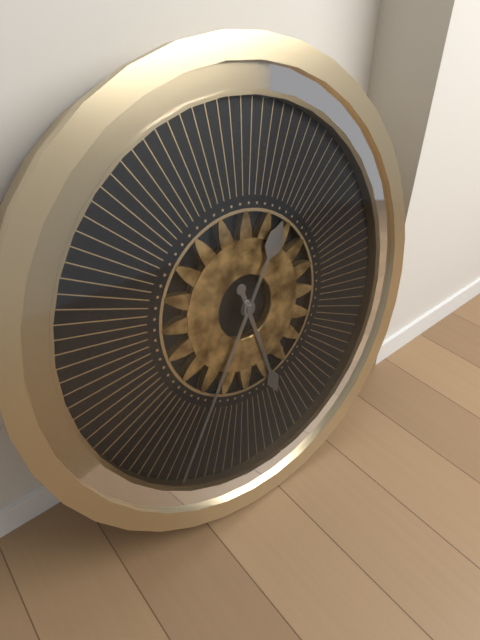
5:36
